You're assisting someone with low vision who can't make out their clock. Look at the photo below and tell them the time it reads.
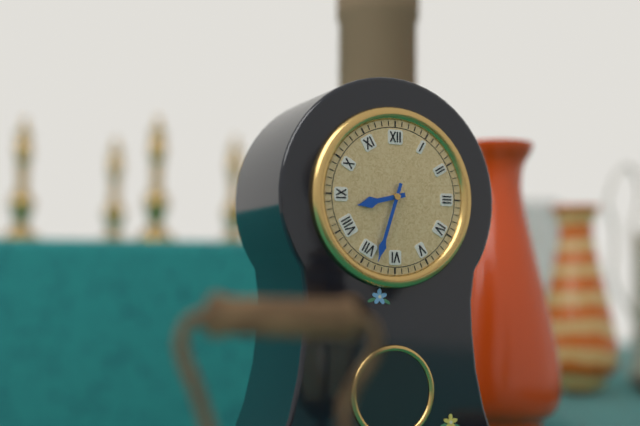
8:33
